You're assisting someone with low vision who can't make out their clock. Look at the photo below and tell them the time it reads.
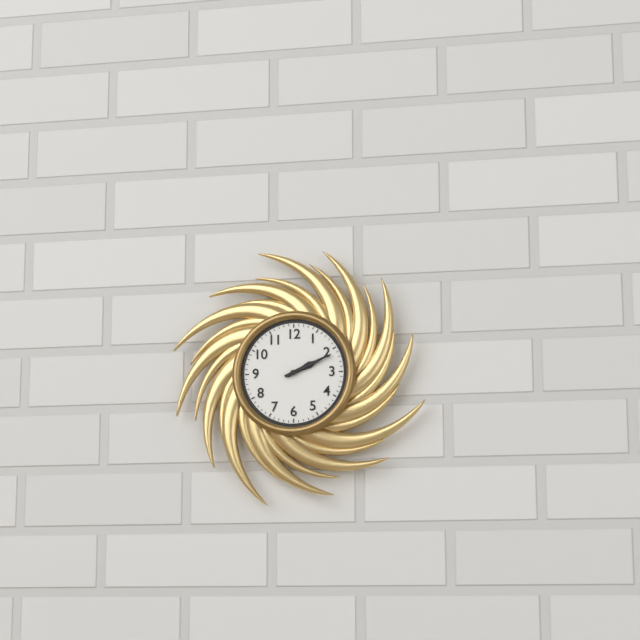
2:11
